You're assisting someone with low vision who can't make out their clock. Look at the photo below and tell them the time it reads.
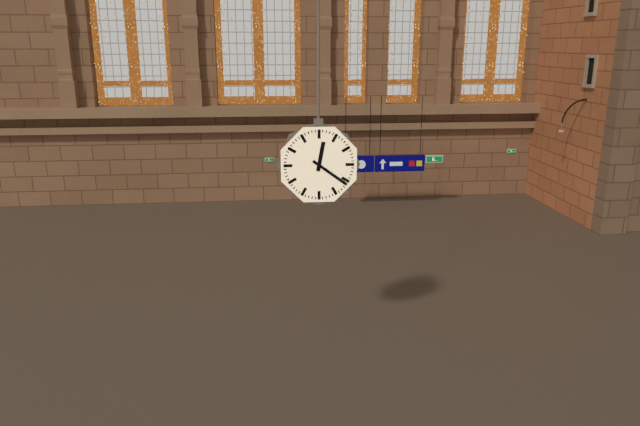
12:21
